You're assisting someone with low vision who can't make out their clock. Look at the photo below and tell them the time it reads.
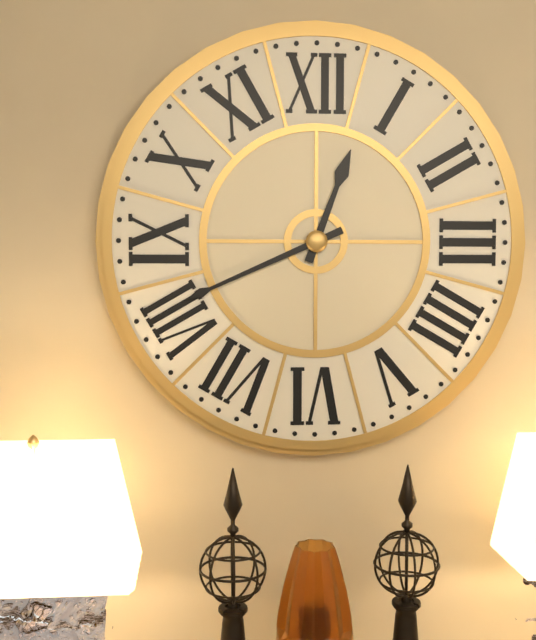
12:41
